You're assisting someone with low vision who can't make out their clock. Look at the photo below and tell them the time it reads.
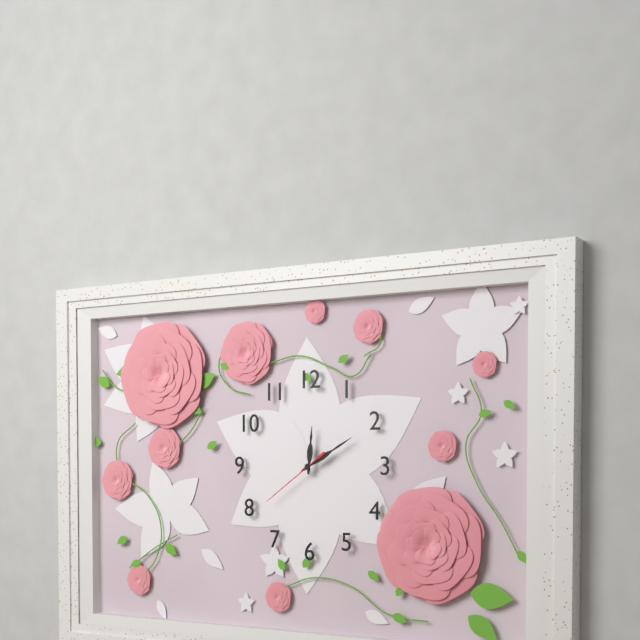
12:10:39
